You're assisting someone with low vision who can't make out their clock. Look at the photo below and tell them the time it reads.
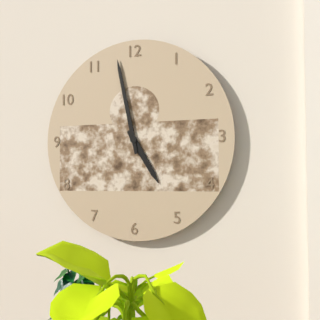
4:58
